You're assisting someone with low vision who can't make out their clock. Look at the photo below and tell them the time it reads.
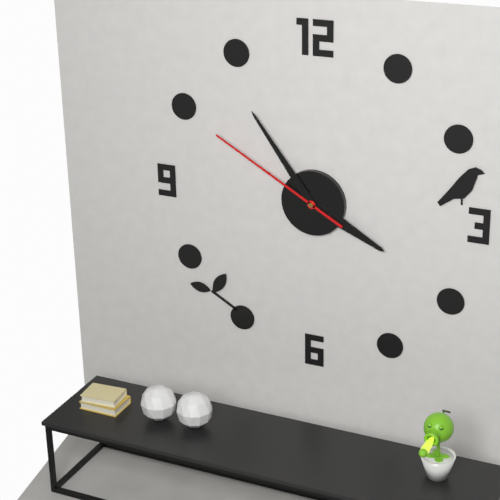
3:54:50
